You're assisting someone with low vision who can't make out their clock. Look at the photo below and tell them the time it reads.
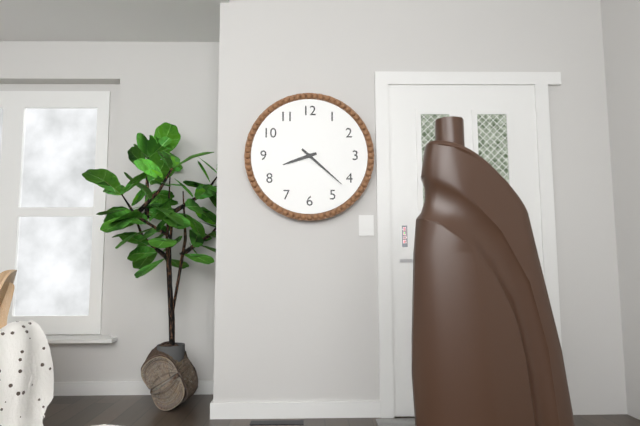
8:22
